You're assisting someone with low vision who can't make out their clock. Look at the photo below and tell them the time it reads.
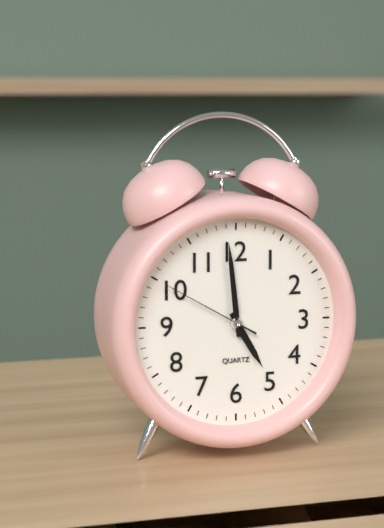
4:59:50
